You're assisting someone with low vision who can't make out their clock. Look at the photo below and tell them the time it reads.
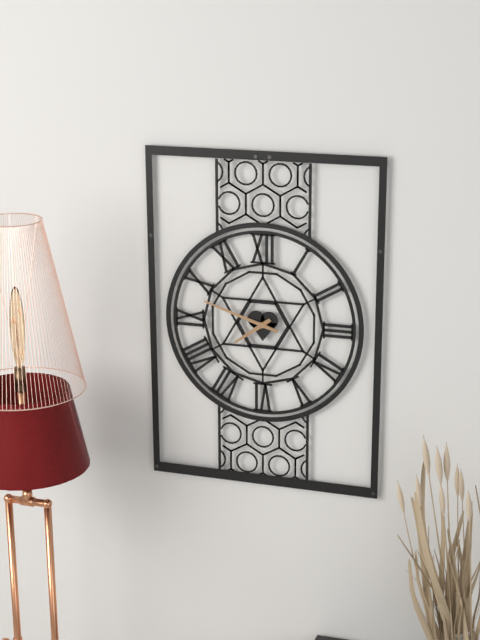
7:48
